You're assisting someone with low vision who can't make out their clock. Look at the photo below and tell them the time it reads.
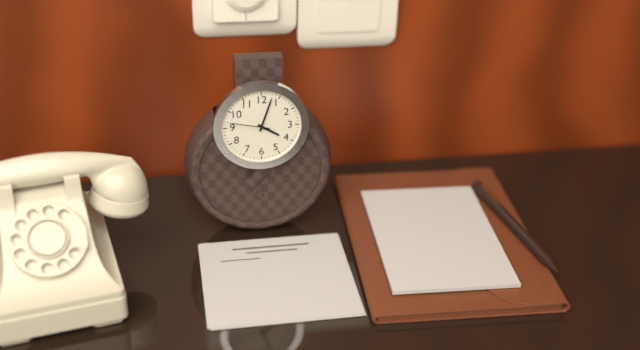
4:03
